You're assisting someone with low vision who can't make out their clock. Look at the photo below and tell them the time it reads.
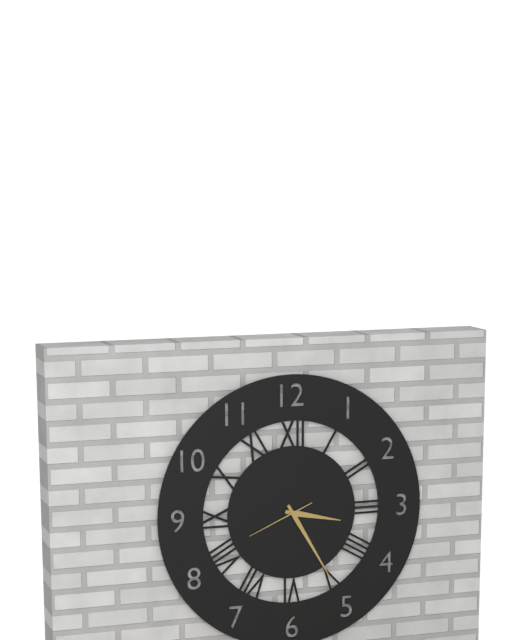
3:25:41
